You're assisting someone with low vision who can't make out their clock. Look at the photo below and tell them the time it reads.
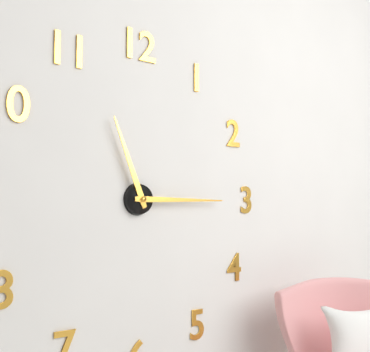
11:15
